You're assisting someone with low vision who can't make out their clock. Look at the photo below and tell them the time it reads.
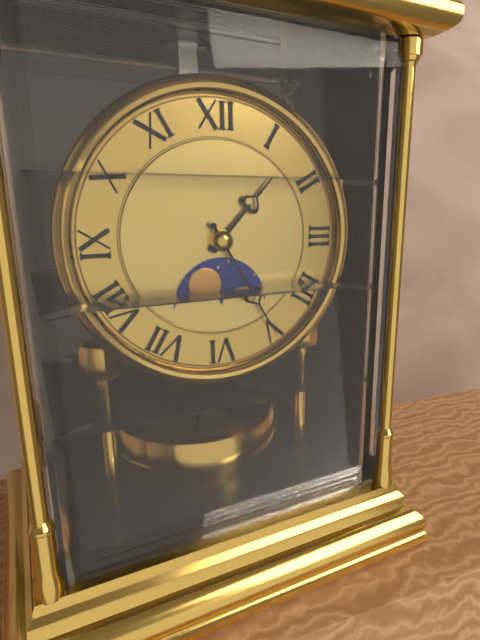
1:25
